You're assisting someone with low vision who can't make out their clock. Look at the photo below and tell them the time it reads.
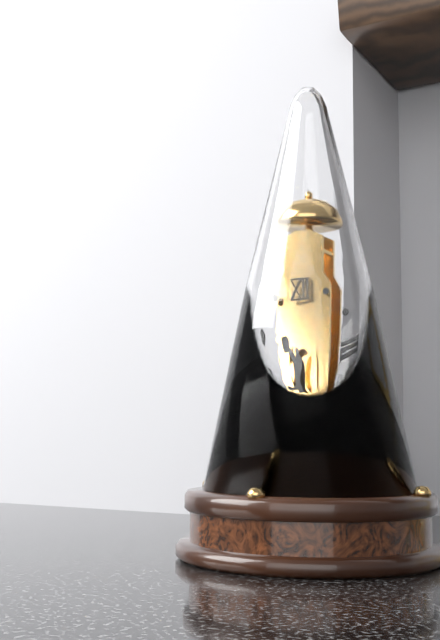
10:27
